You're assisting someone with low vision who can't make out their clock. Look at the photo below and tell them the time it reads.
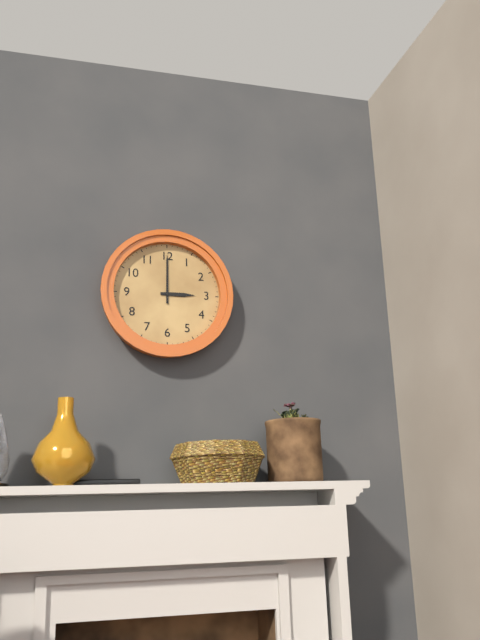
3:00
